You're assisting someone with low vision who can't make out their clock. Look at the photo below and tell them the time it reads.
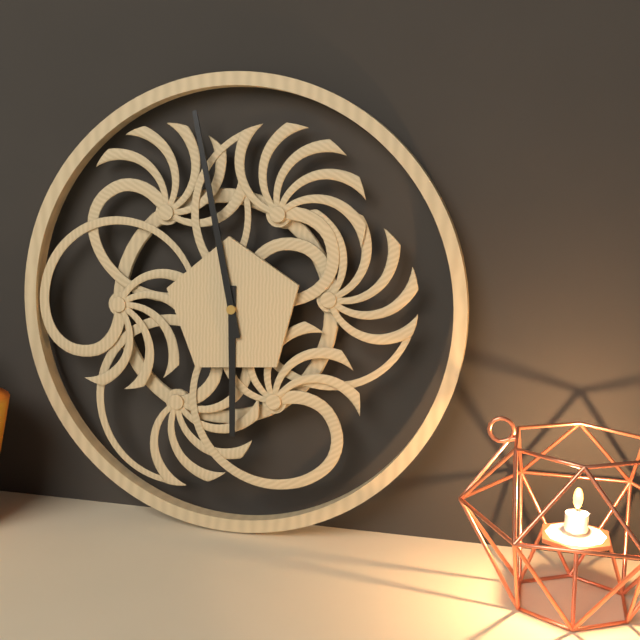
5:58
